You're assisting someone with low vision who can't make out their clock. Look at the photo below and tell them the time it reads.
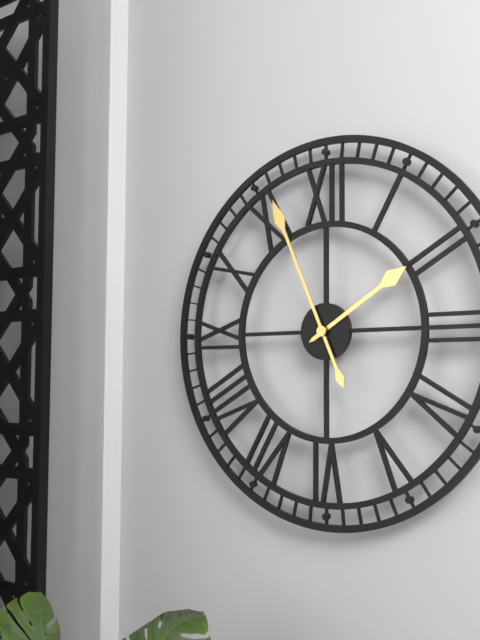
1:56
